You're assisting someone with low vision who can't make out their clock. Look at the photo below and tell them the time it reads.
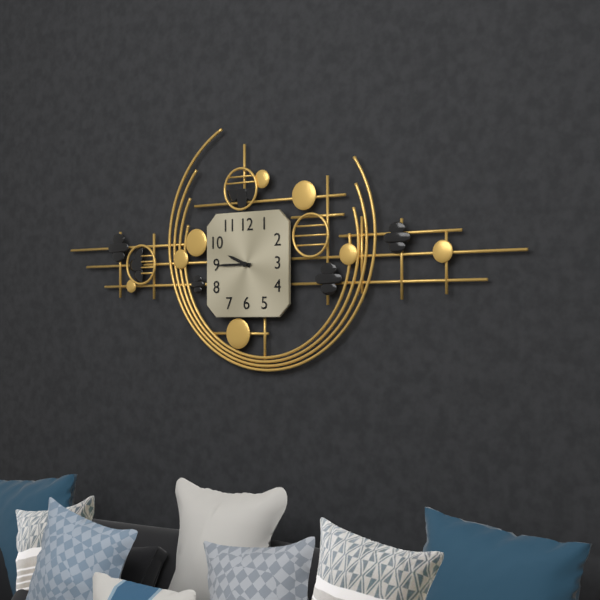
9:45
